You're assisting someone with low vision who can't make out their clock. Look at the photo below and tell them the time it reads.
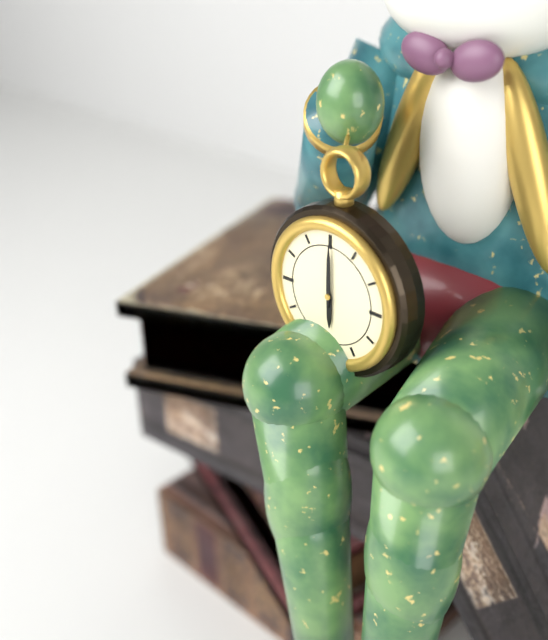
6:00
